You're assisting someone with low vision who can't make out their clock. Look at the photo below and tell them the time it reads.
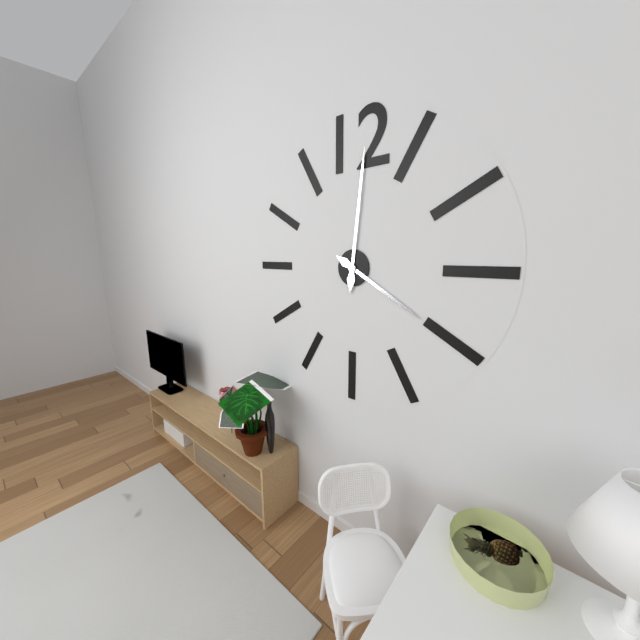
4:01
